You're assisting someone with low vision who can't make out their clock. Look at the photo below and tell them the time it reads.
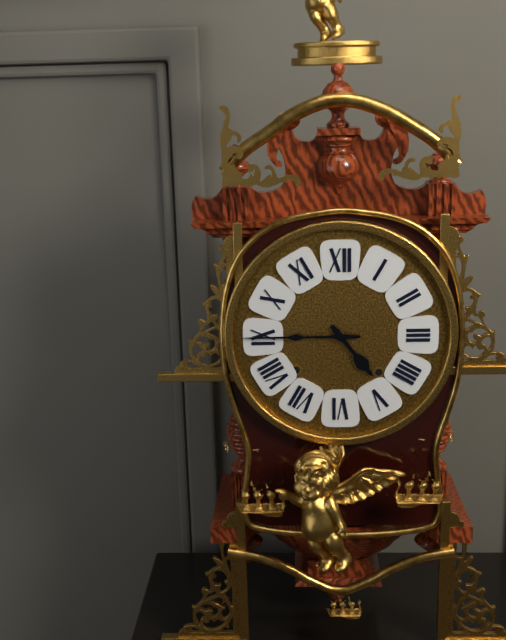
4:45
